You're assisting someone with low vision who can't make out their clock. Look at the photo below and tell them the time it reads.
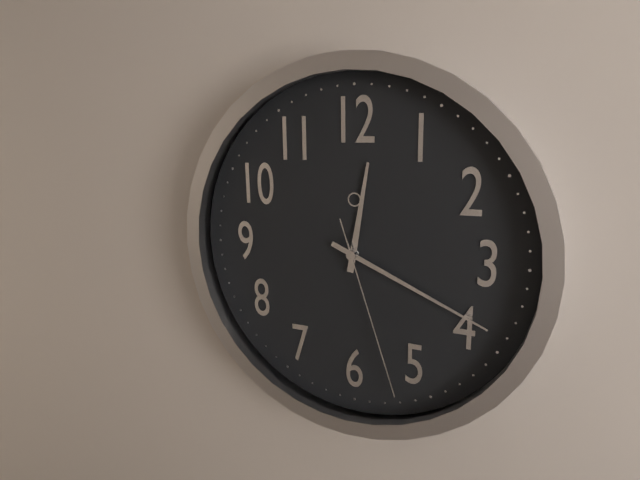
12:19:27
